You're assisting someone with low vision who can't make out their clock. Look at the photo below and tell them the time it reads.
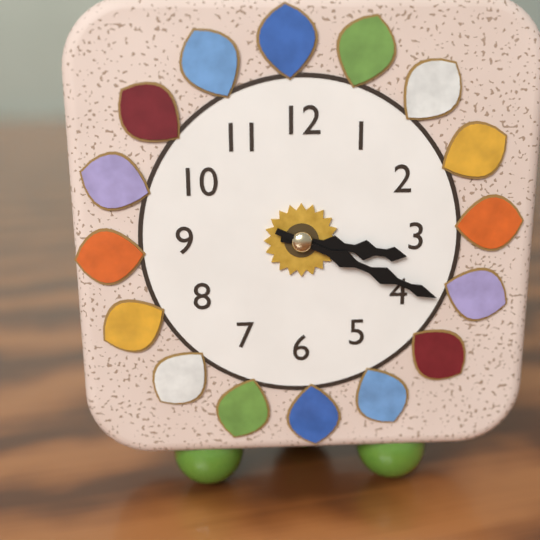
3:19
